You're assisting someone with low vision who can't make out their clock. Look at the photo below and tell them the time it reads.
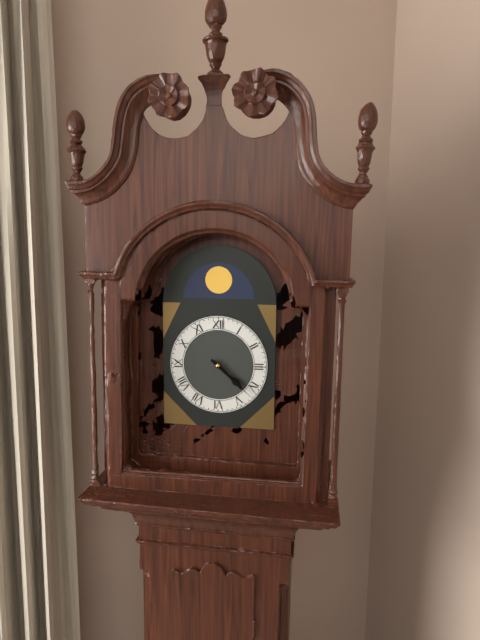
4:22
